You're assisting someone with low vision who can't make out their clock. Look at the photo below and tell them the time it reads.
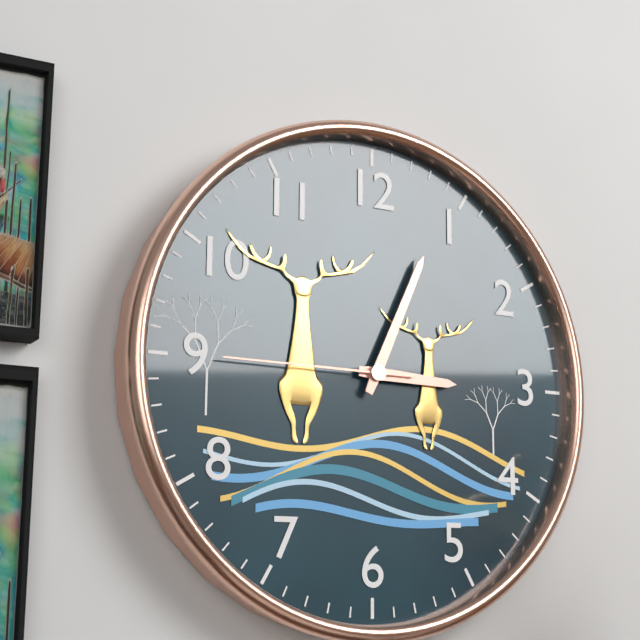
3:04:45
